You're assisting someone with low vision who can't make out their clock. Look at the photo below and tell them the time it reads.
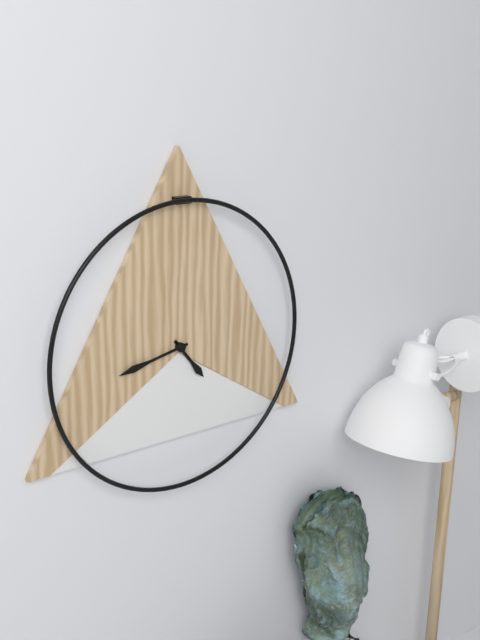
4:43
